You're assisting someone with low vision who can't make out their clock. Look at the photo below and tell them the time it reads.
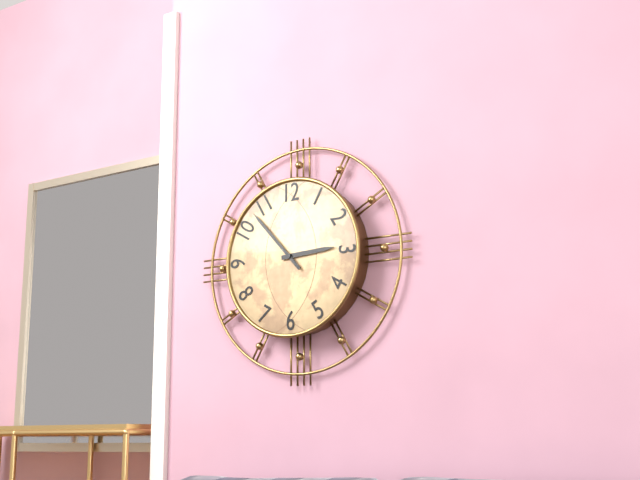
2:53
